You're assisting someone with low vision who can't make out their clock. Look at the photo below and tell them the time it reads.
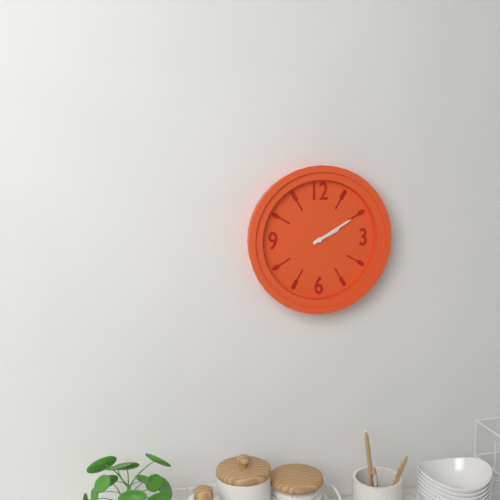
2:10
